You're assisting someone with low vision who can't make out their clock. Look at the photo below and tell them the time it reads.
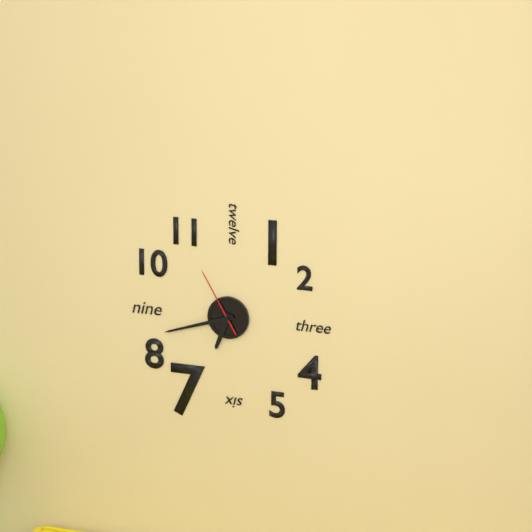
6:42:55
